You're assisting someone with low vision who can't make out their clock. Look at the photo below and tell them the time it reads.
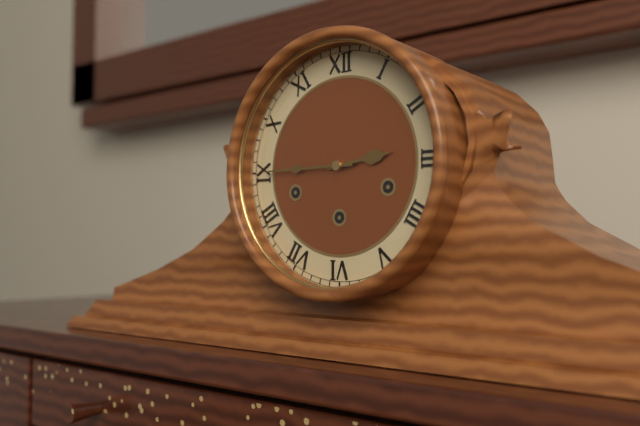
2:45
